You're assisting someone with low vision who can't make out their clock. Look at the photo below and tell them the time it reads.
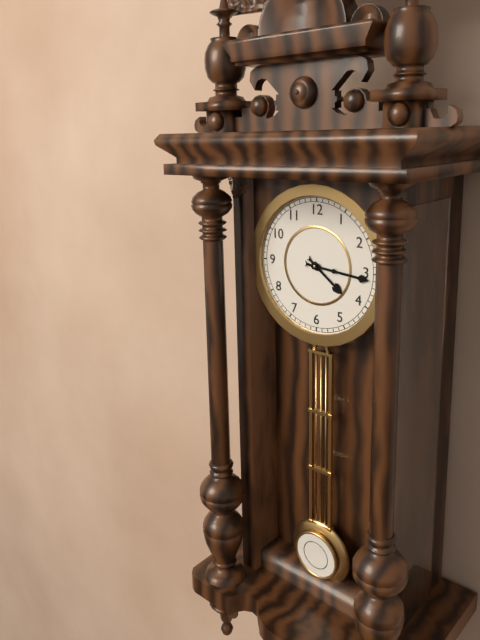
4:16
